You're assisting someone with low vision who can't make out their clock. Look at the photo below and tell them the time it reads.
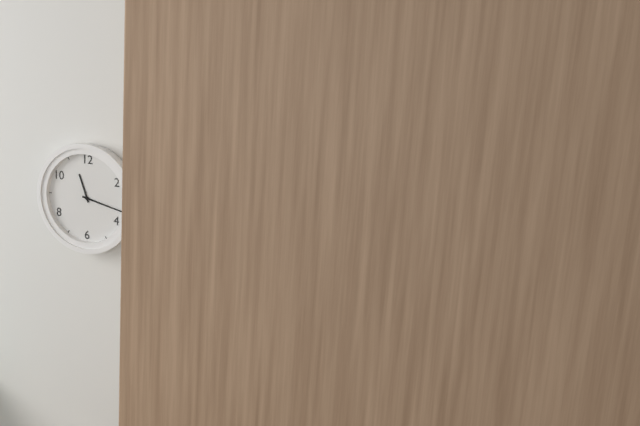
11:17
